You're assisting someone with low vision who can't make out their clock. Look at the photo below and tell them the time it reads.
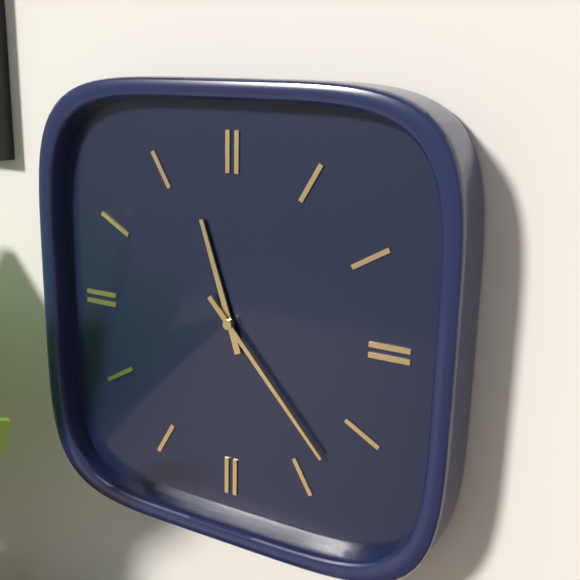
11:23
